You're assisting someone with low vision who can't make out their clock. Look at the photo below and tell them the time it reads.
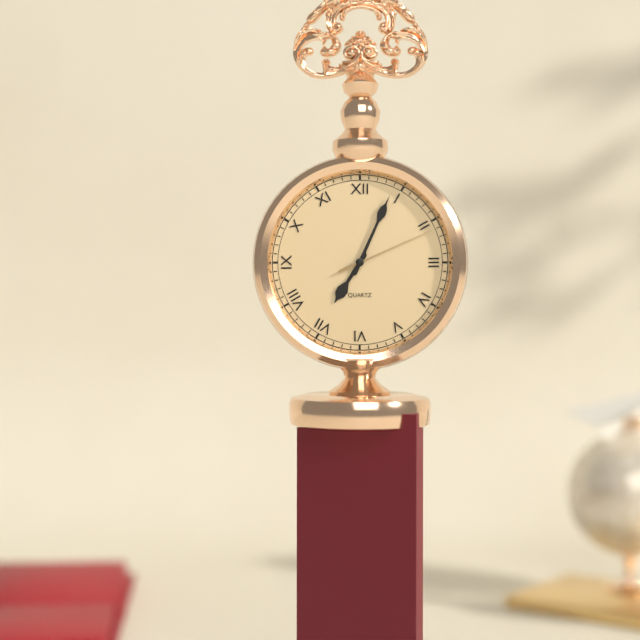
7:04:11
